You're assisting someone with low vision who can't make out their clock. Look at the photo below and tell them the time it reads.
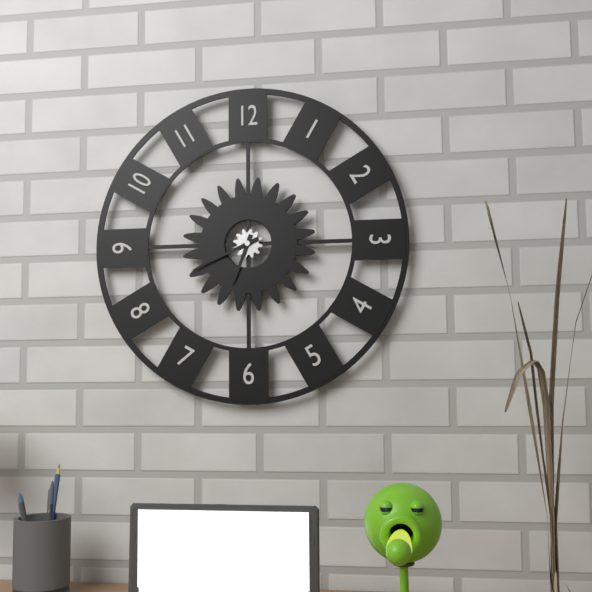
6:41
